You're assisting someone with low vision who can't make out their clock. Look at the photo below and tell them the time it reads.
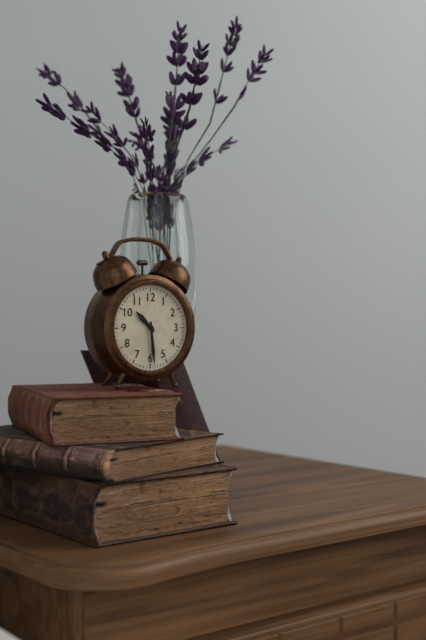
10:29
